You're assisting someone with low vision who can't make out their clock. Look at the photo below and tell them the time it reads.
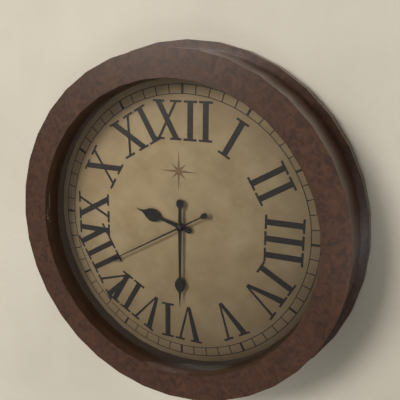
9:30:40
